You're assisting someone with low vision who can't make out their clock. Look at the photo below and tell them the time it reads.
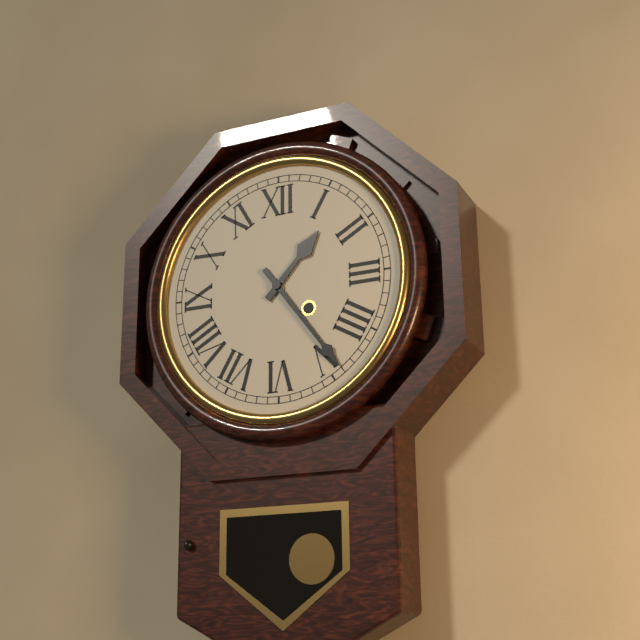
1:24
